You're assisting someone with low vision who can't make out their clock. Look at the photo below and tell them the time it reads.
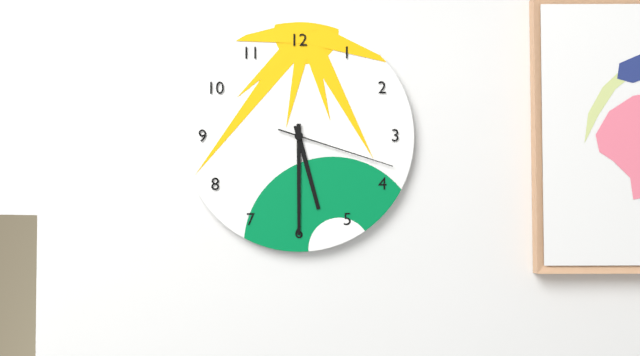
5:30:18
